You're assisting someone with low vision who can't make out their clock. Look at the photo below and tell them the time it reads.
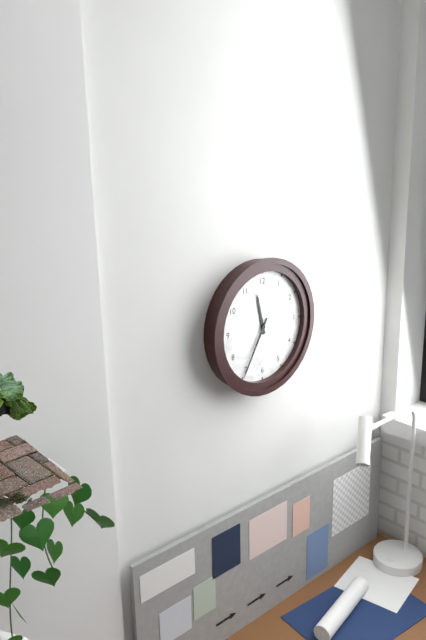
11:35
